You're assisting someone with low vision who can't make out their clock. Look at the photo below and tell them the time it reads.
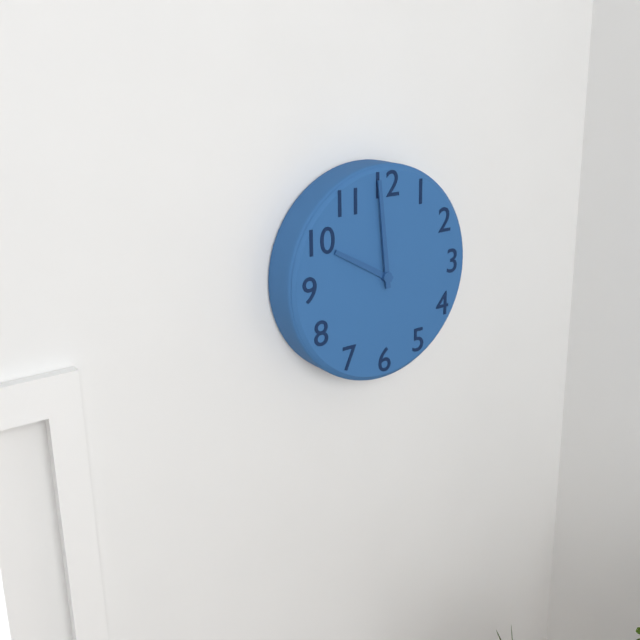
9:59
